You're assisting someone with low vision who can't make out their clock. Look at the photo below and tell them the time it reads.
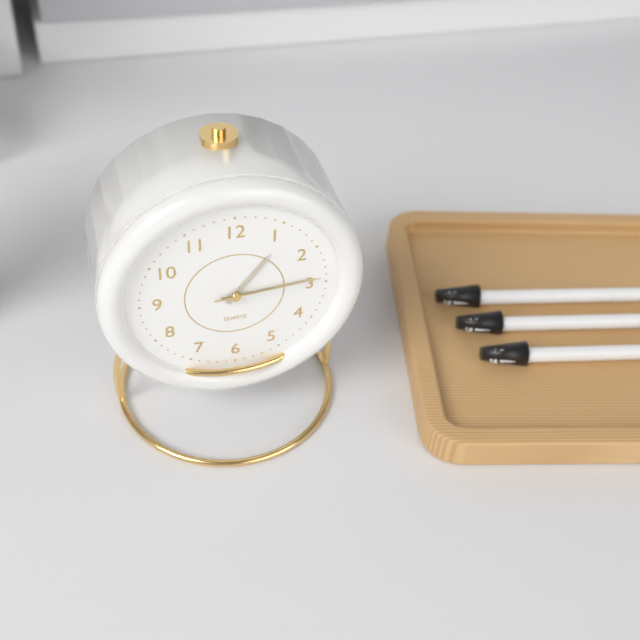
1:14:14
